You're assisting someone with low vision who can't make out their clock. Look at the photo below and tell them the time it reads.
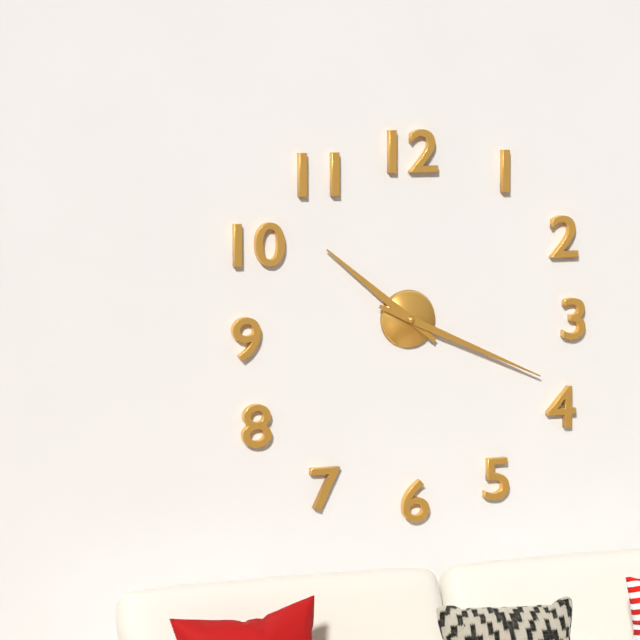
10:19
